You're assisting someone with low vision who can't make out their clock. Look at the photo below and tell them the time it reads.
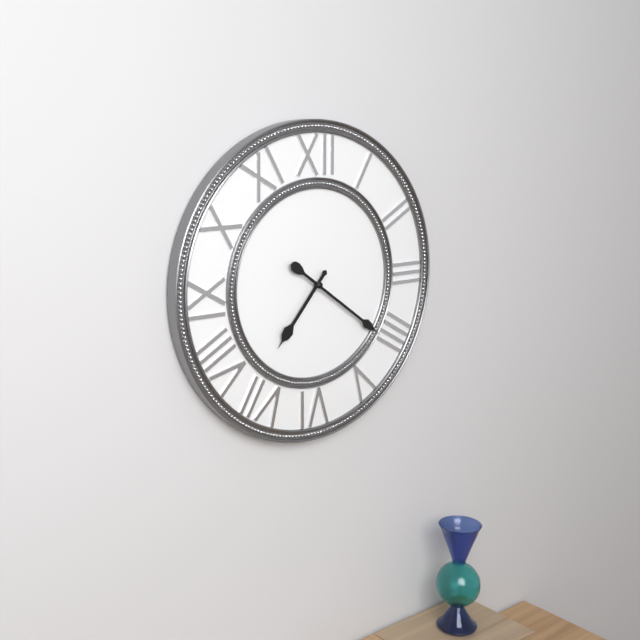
7:21
